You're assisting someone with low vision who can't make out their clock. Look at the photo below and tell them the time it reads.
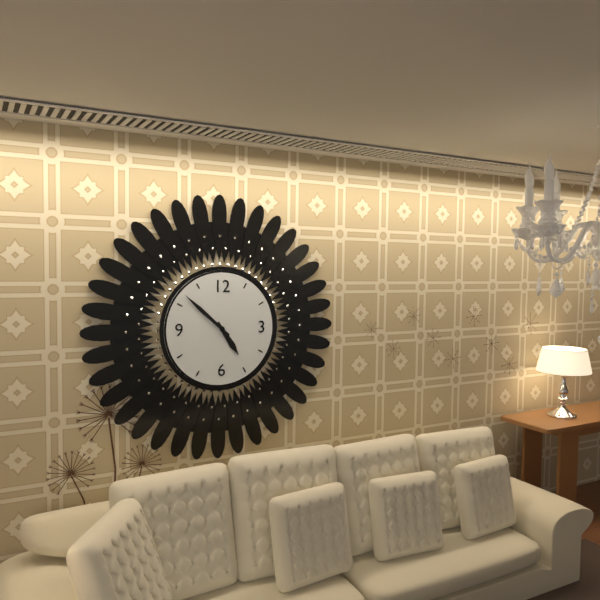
4:52
